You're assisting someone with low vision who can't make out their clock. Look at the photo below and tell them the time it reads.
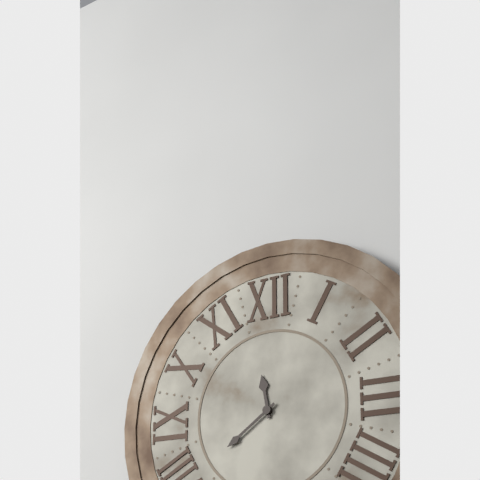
11:39
